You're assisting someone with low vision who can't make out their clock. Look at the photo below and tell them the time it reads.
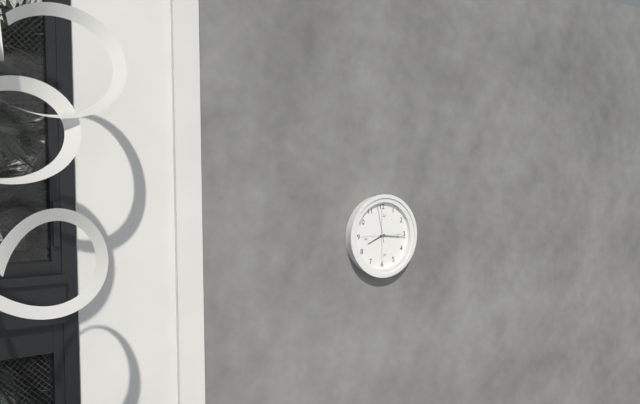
8:16
